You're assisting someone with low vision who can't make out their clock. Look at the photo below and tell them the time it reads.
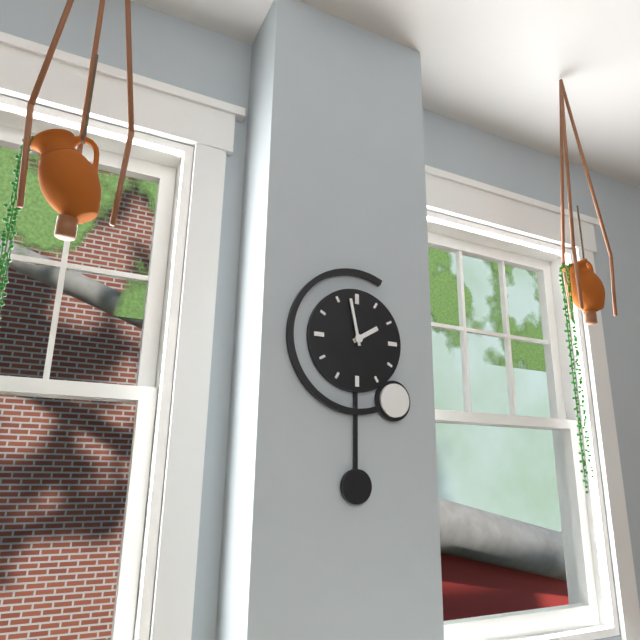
1:58
